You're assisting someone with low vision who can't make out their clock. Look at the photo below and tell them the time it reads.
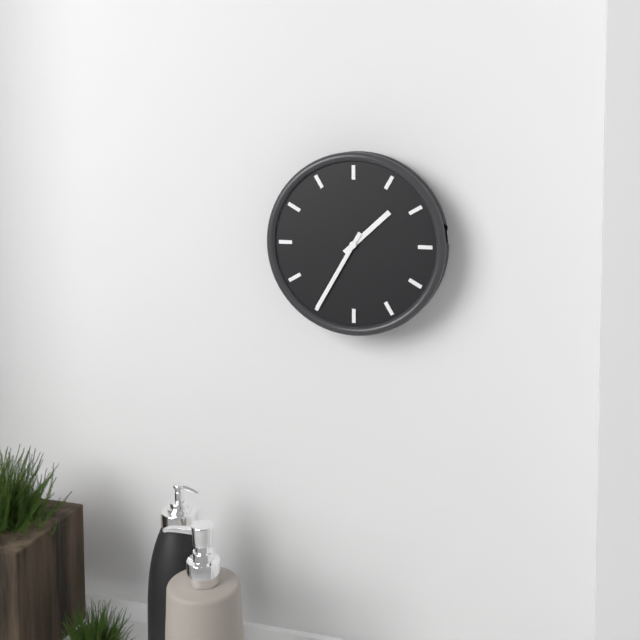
1:35
